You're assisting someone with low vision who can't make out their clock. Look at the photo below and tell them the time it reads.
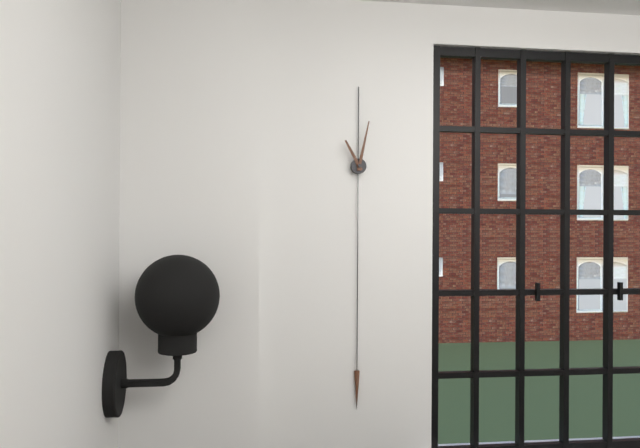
11:02
